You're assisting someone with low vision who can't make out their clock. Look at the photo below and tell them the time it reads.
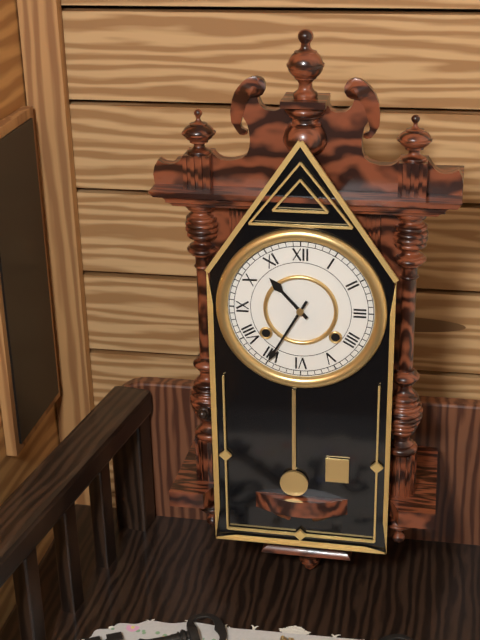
10:35
